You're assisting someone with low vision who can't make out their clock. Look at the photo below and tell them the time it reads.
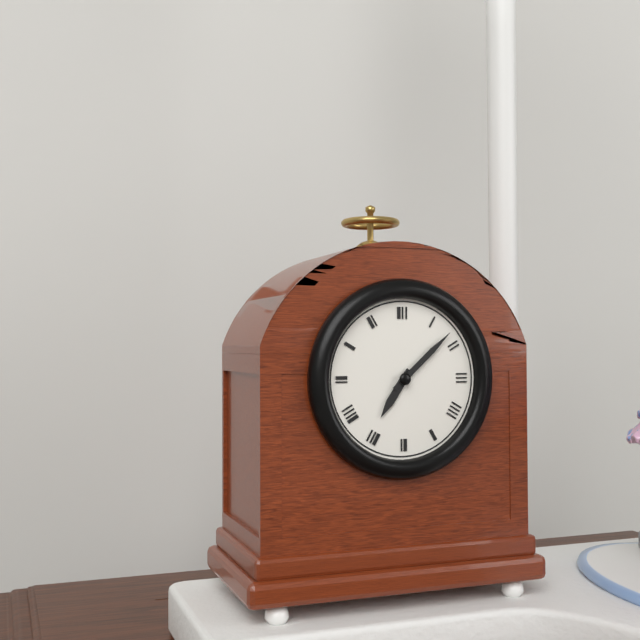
7:08
